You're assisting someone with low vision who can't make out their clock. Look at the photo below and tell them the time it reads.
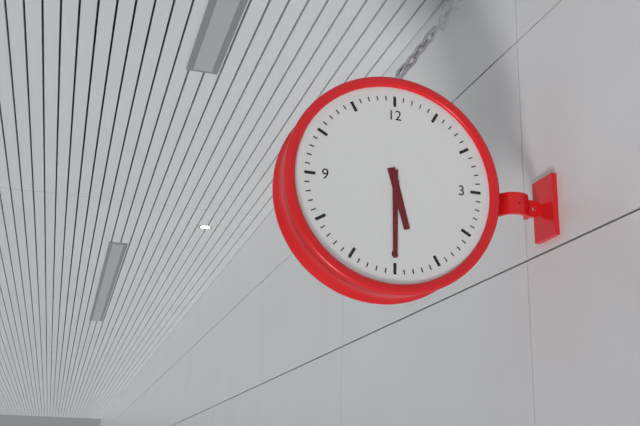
5:30
